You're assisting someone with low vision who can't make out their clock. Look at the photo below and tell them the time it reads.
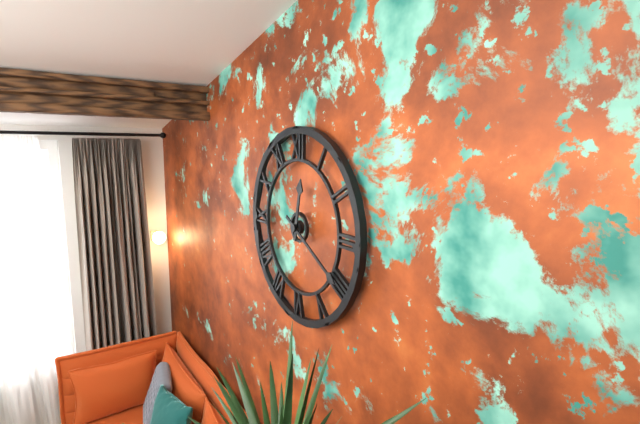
12:20
